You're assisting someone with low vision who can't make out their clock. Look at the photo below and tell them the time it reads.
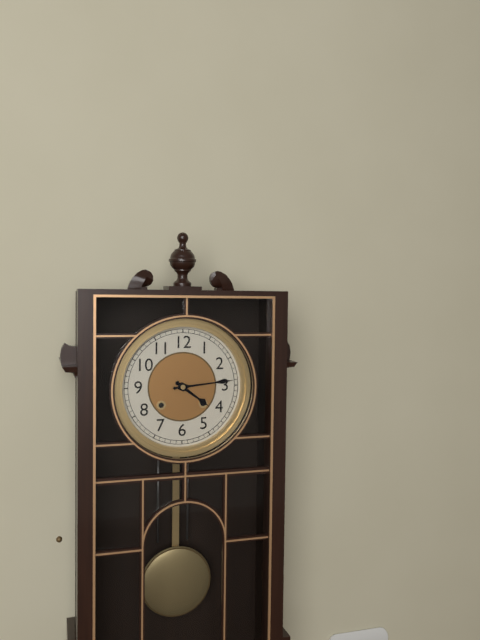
4:14
